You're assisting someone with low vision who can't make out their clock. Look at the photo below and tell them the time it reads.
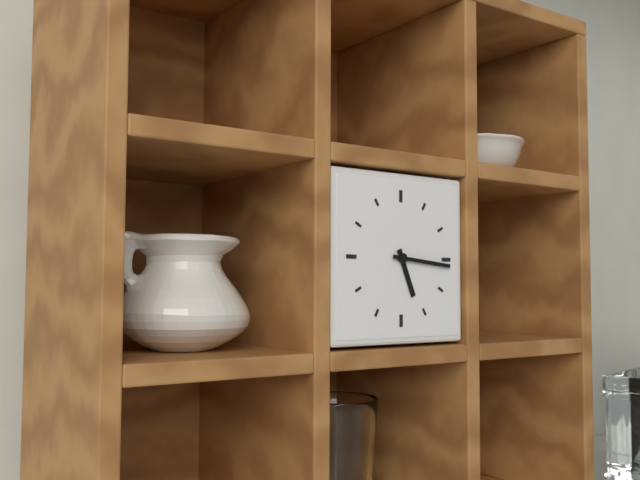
5:16
